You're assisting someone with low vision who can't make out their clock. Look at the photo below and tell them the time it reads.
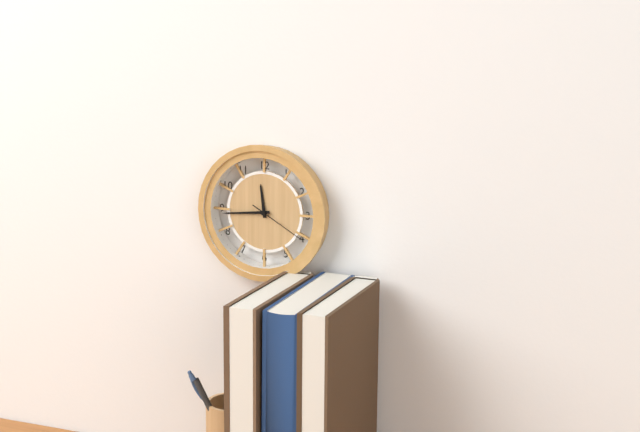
11:44:20
